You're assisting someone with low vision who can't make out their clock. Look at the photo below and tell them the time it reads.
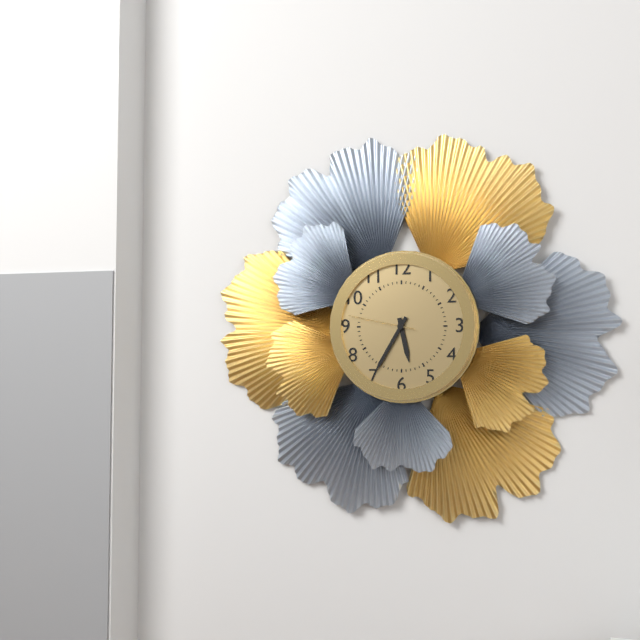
5:35:47
